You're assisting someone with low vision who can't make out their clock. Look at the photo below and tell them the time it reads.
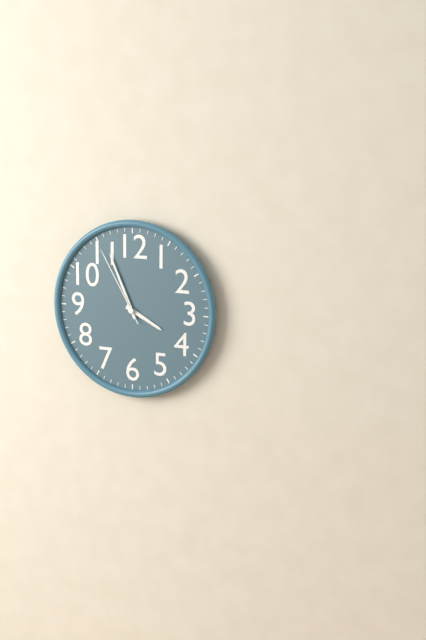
3:56:55
